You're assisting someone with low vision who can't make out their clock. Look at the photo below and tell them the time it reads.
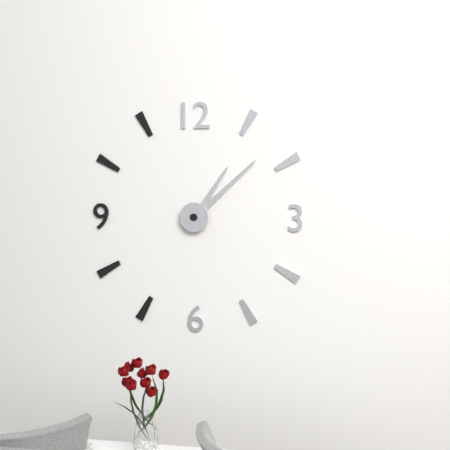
1:08
